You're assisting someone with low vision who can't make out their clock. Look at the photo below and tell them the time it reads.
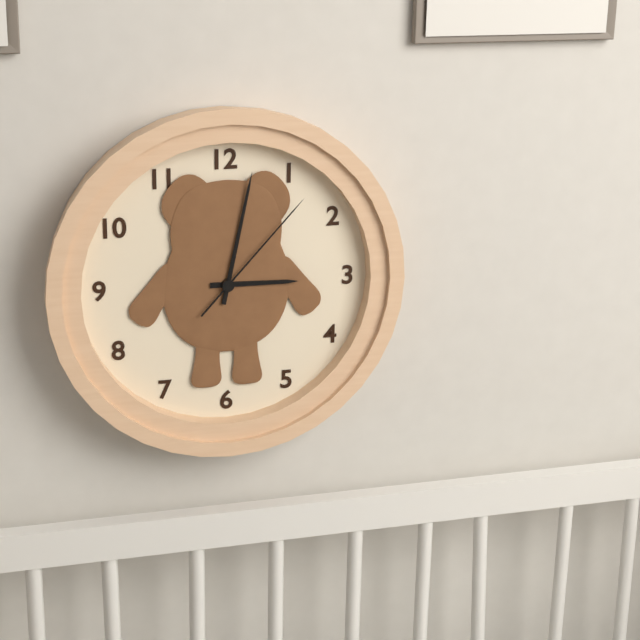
3:02:07
